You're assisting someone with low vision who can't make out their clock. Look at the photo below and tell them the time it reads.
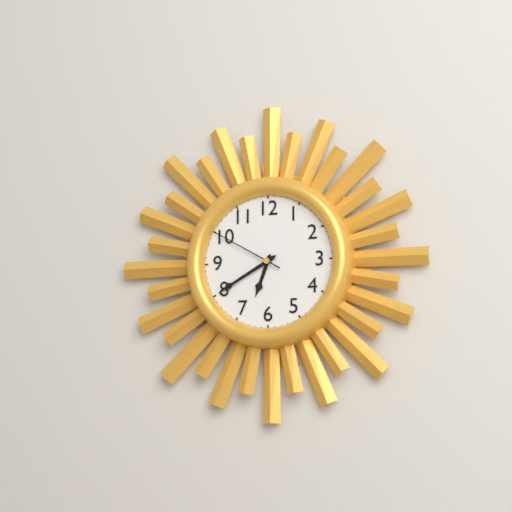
6:40:50
